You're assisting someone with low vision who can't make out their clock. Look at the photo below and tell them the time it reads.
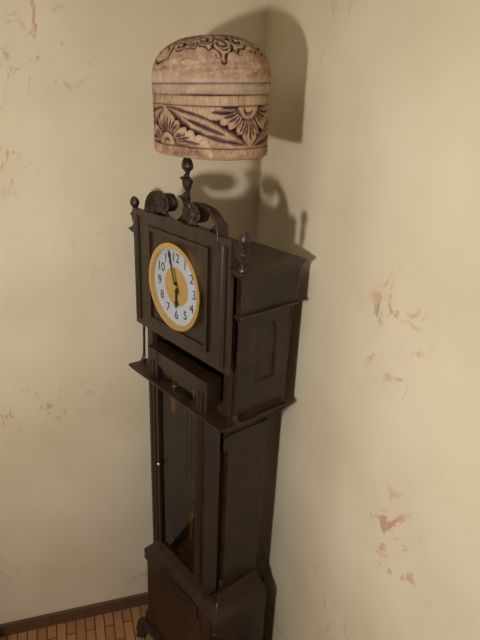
5:57
